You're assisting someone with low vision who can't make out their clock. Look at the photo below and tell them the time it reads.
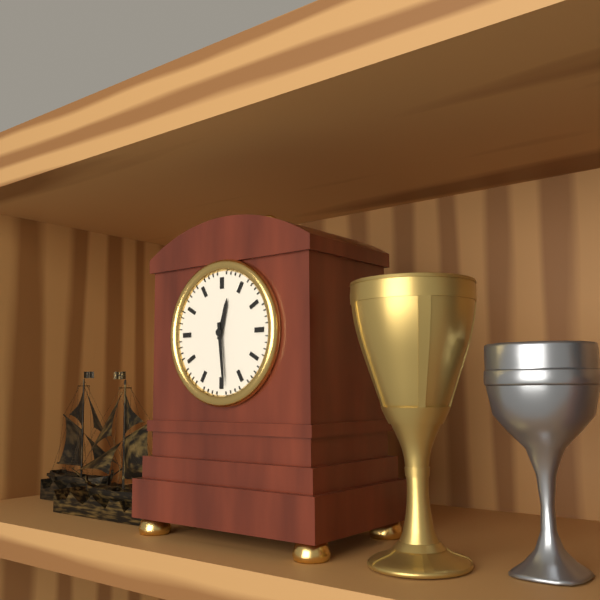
12:29
